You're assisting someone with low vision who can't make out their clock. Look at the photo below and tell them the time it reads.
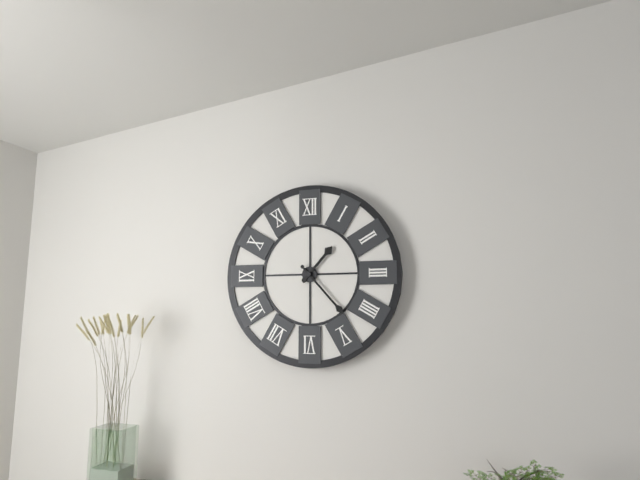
1:23
